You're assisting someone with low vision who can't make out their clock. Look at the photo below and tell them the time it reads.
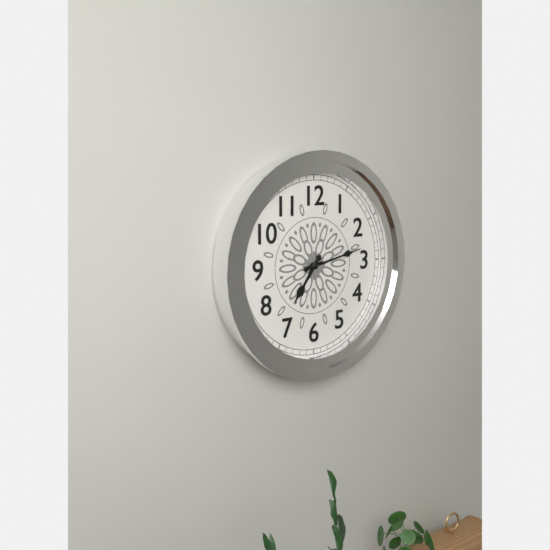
7:13
